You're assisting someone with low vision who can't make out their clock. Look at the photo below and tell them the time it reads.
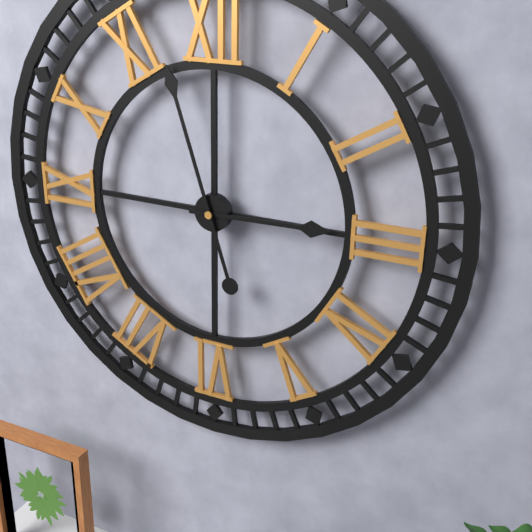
2:57
